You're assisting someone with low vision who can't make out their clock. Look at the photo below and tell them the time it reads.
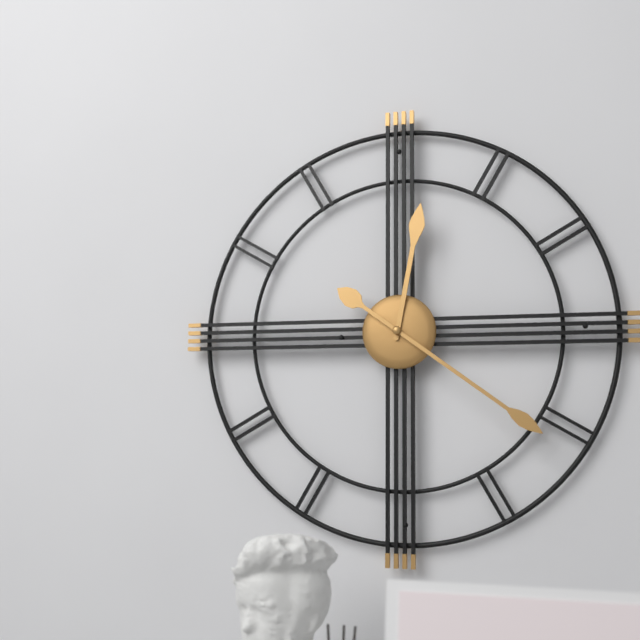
12:21
